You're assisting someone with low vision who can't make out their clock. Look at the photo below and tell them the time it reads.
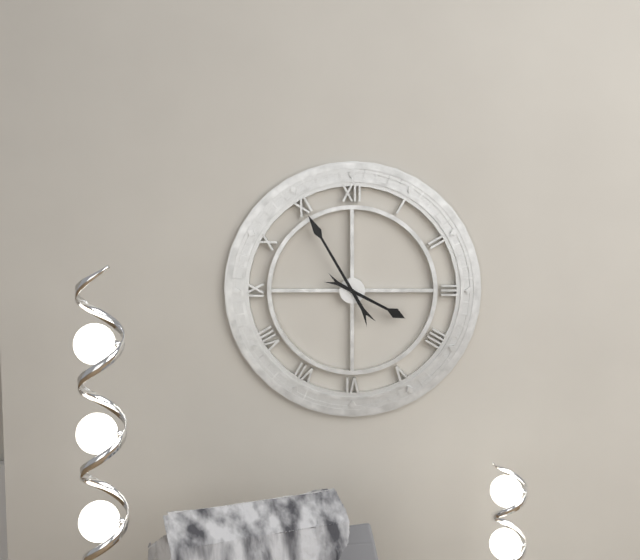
3:55
